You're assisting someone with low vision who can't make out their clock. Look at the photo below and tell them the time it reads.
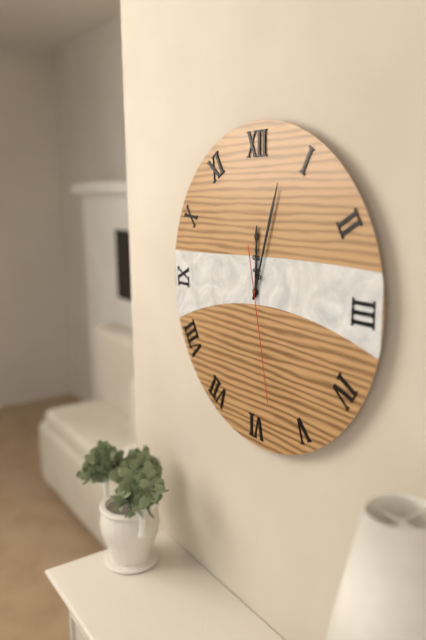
12:03:28
